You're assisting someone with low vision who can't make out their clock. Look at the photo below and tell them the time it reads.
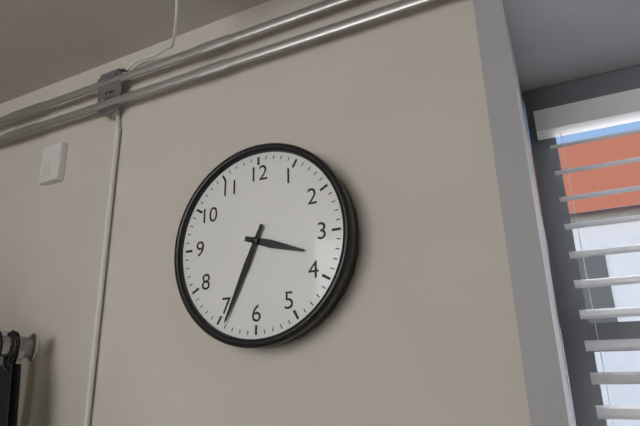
3:34
